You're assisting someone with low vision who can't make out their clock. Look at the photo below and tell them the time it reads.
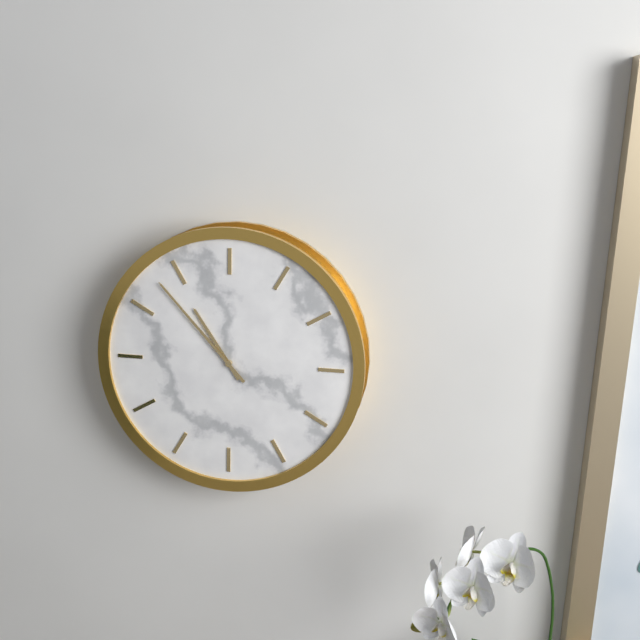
10:53
